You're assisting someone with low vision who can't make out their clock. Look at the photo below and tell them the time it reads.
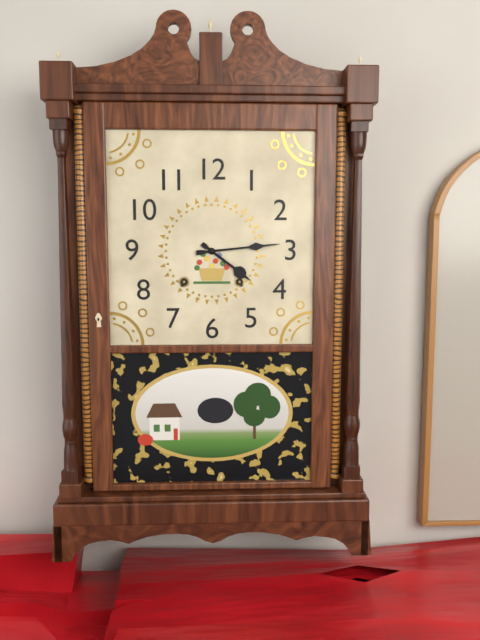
4:14
